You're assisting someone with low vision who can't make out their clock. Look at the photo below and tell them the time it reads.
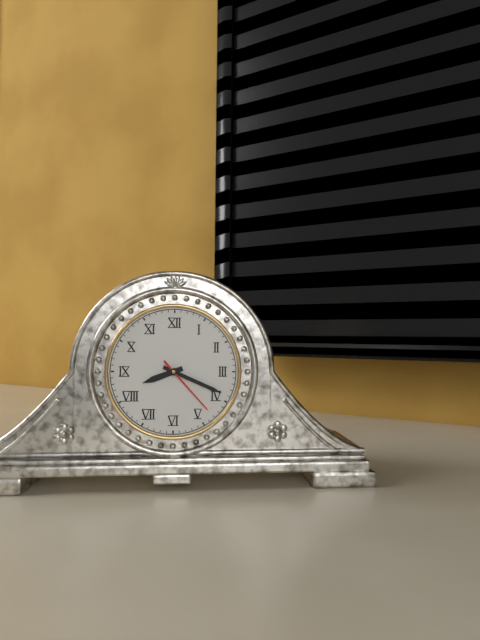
8:19:23
